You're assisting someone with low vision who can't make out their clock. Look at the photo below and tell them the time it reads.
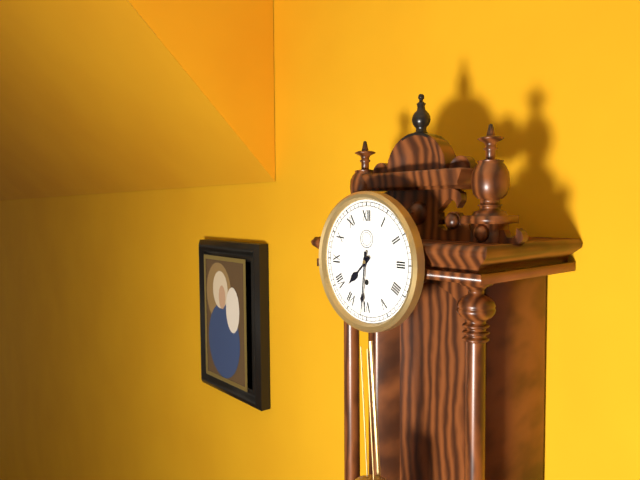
7:31
